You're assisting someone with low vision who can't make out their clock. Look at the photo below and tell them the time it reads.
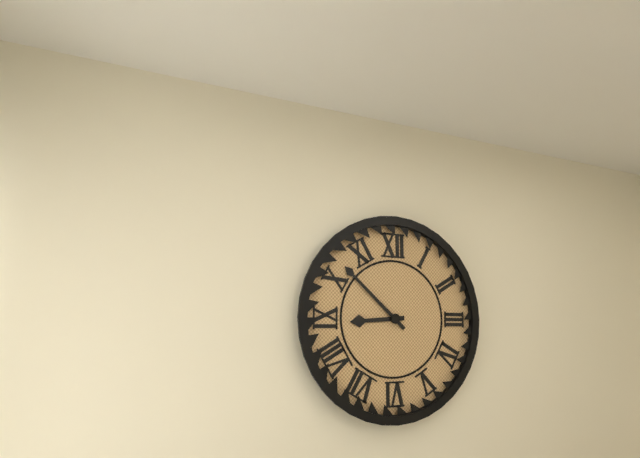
8:52
